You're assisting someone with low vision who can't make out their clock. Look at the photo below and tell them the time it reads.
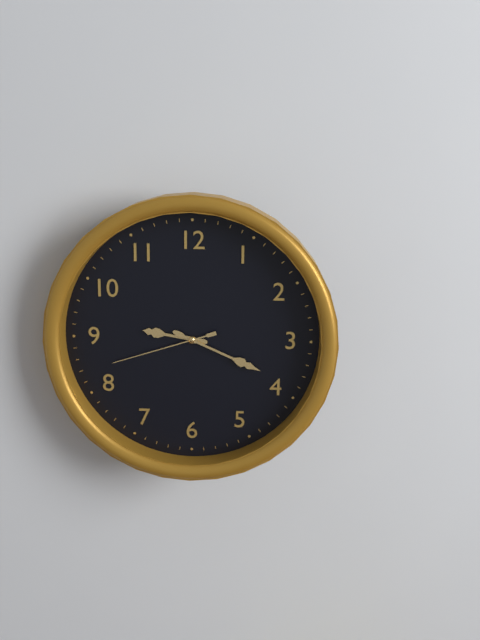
9:19:42
